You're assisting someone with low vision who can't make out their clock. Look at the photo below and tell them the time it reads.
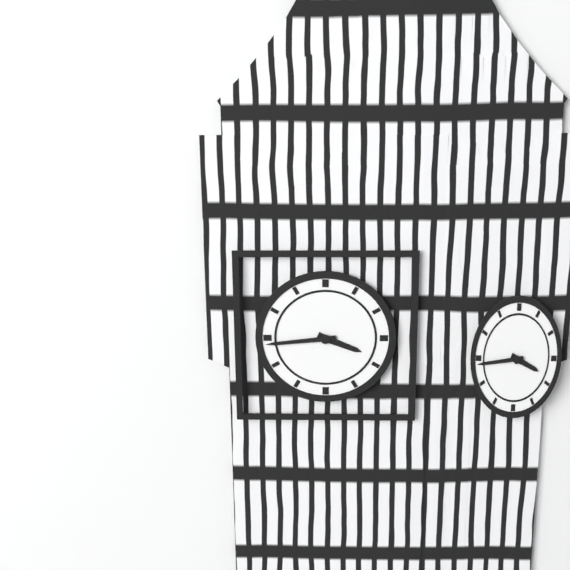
3:44
